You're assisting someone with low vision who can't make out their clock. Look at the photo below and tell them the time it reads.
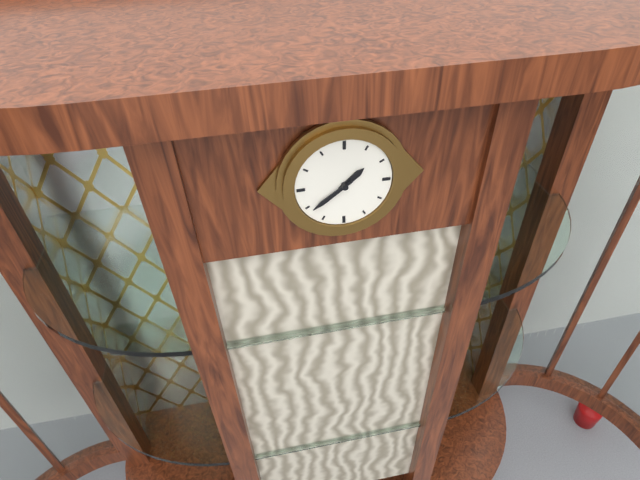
1:39
